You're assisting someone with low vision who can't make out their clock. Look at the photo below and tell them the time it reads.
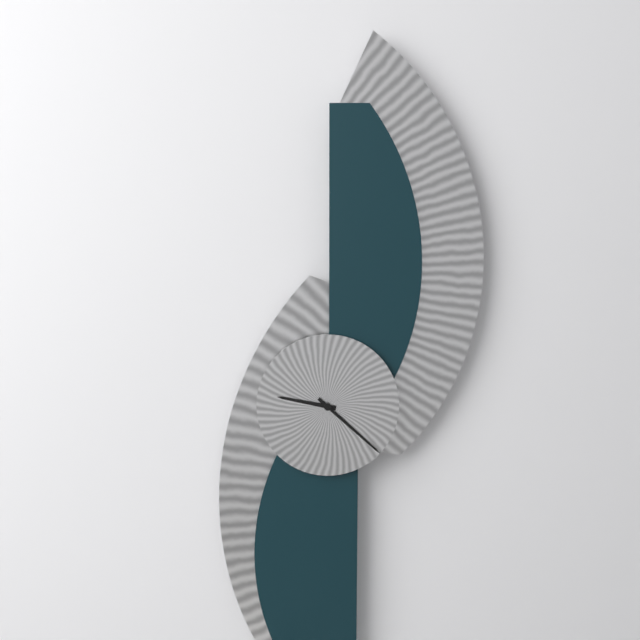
9:22
